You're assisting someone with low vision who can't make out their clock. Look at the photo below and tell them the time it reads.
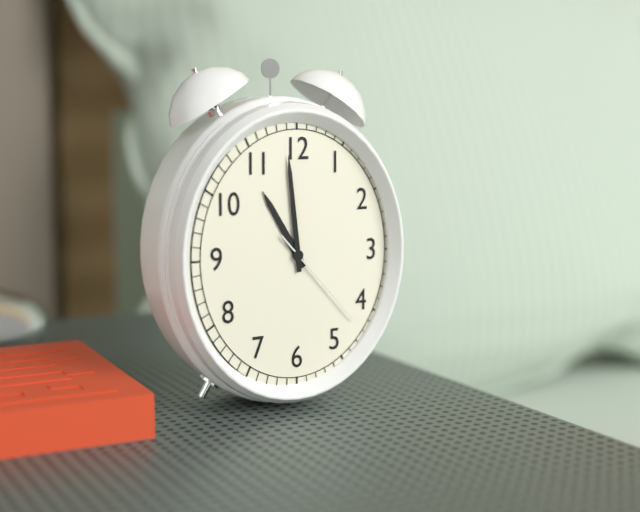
10:59:23
